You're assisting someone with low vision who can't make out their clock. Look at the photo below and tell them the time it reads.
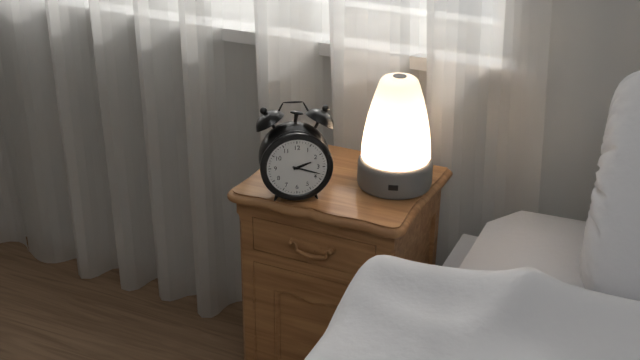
2:18
